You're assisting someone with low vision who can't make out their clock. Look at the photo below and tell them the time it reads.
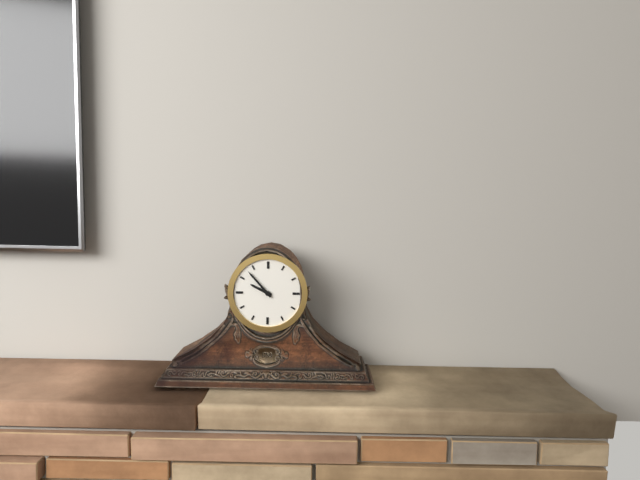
9:53
